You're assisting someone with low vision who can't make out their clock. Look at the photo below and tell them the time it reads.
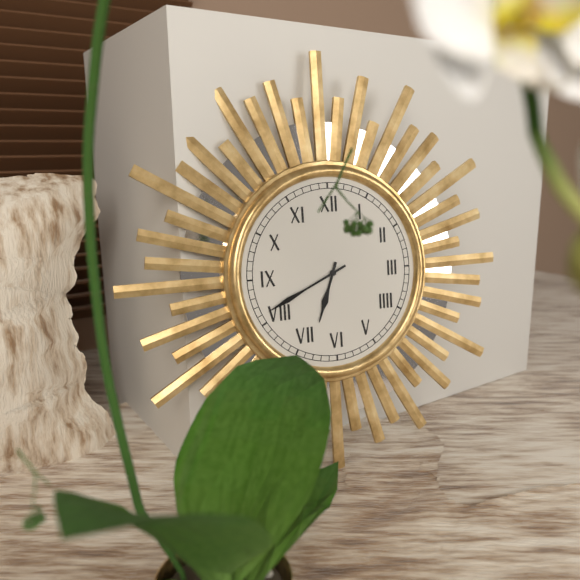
6:41
